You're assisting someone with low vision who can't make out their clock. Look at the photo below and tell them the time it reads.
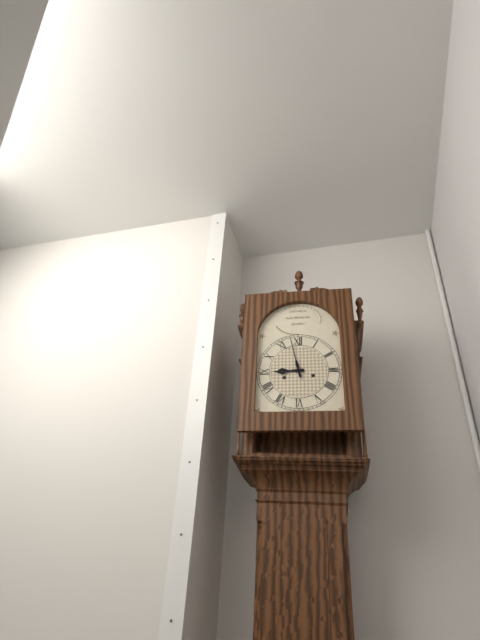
8:58
